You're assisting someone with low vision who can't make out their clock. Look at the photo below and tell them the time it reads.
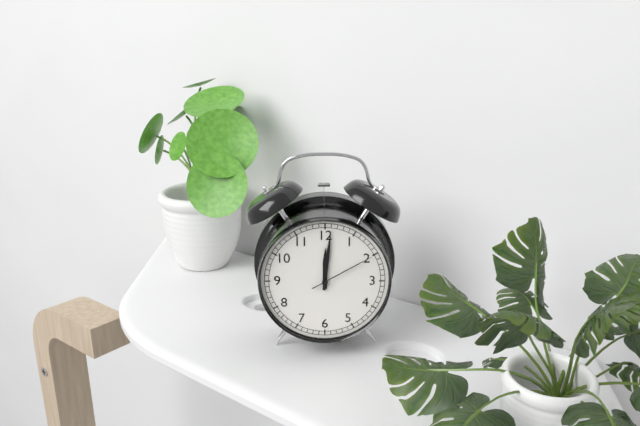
12:01:10
